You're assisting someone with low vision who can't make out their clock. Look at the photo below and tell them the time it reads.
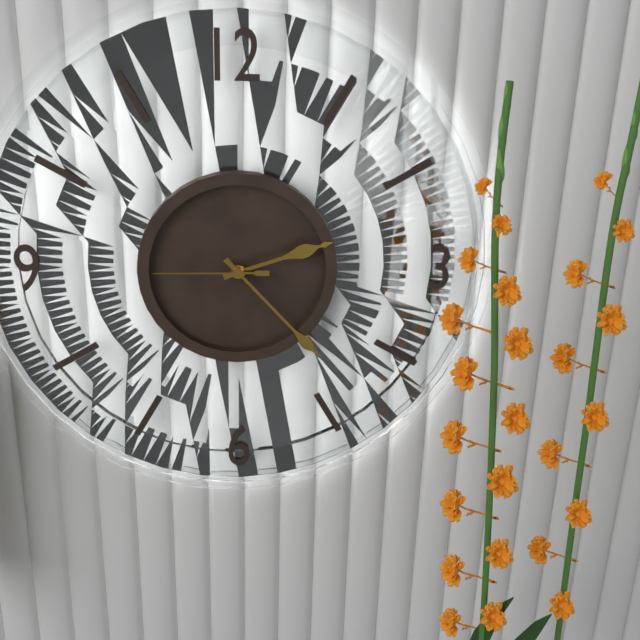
2:23:45
